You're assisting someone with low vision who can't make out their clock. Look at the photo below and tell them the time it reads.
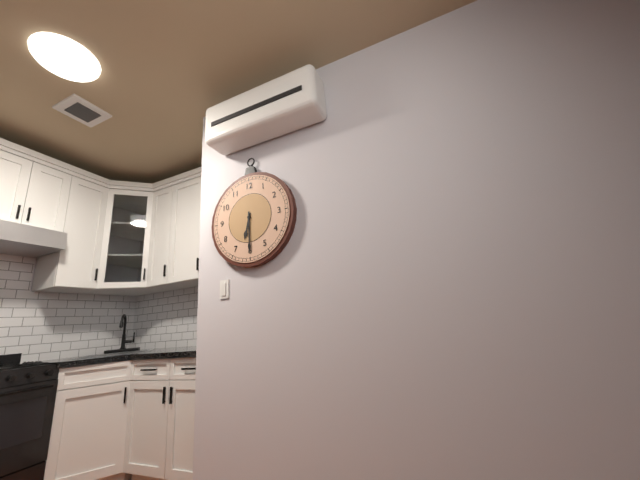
6:30
